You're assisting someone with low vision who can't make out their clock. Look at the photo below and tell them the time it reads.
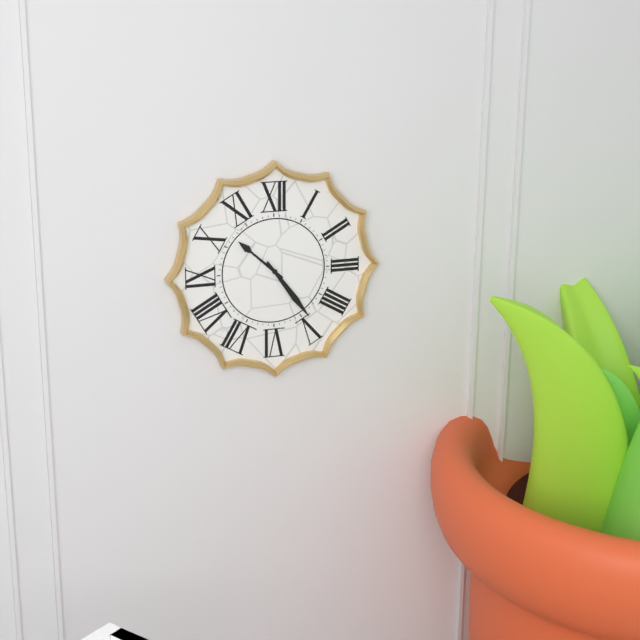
10:24
